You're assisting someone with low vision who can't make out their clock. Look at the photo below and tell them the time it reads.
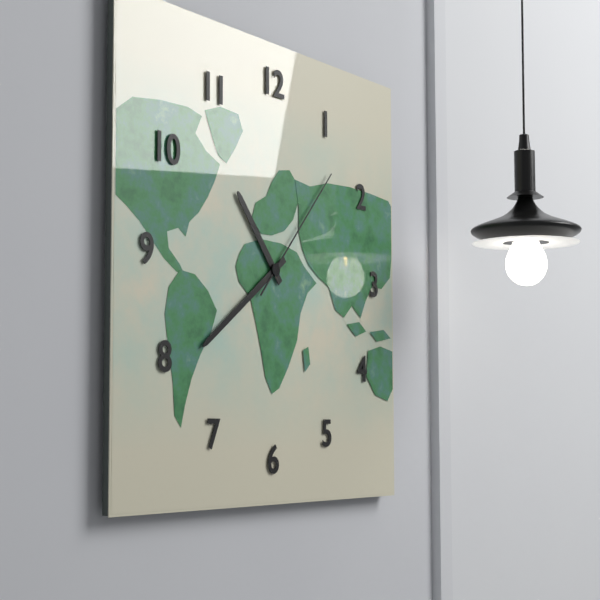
10:39:07
